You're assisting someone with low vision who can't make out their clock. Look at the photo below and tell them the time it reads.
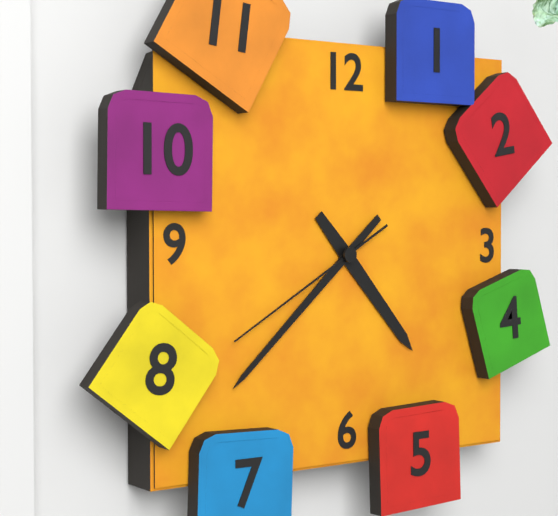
4:38:40
